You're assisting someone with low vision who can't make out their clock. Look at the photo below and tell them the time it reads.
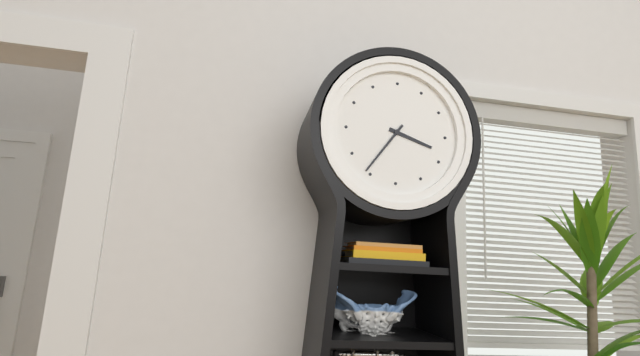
3:36
